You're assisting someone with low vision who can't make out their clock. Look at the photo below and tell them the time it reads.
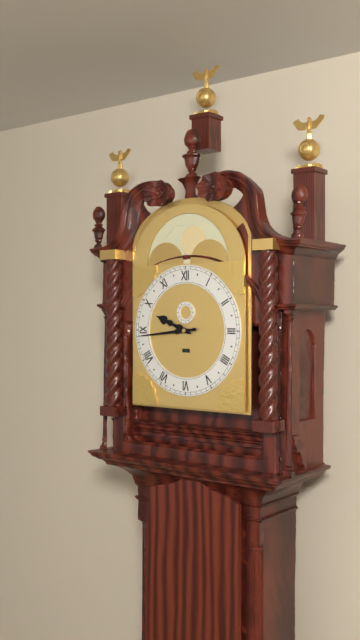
9:44
